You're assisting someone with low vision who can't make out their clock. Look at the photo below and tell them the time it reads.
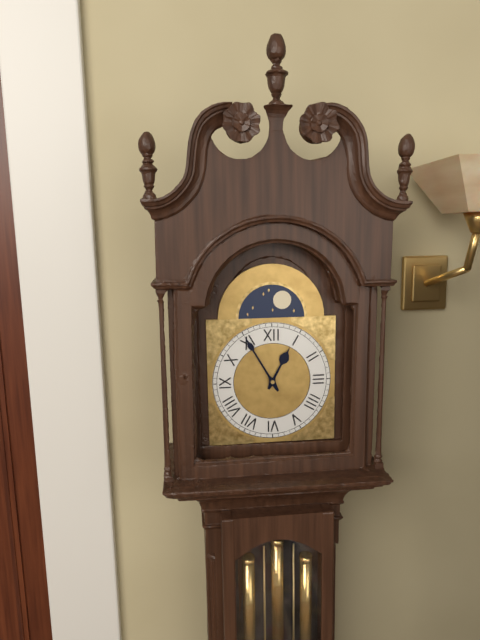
12:55
